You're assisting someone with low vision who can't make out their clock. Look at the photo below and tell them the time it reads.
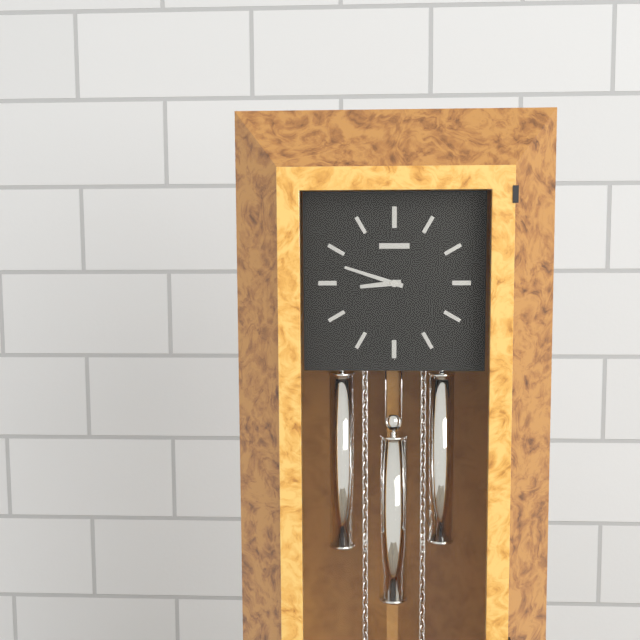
8:48
